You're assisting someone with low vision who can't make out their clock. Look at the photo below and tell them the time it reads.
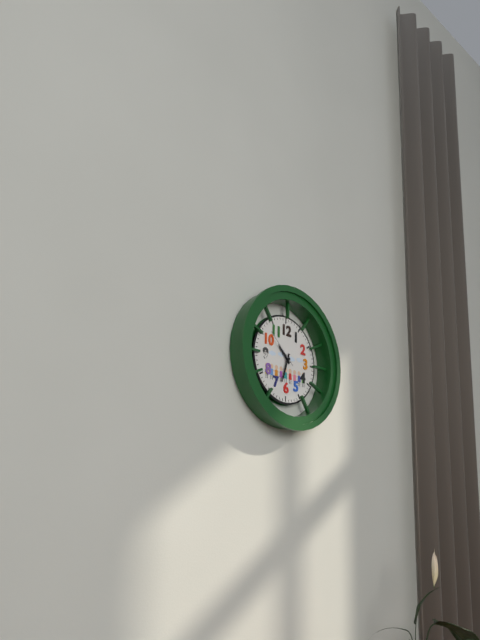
10:33
